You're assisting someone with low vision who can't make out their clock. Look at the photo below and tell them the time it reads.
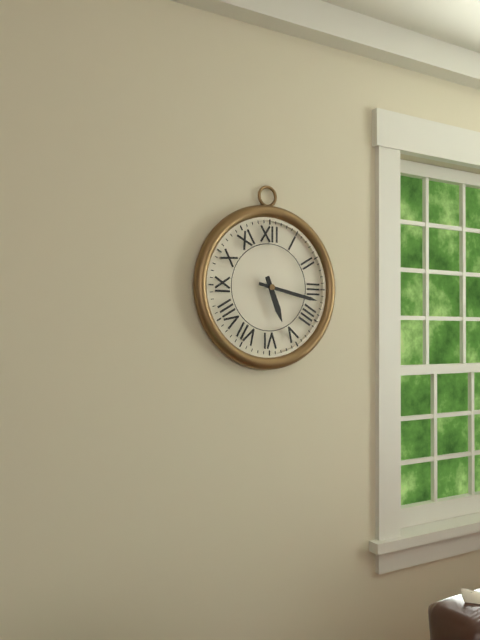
5:17
